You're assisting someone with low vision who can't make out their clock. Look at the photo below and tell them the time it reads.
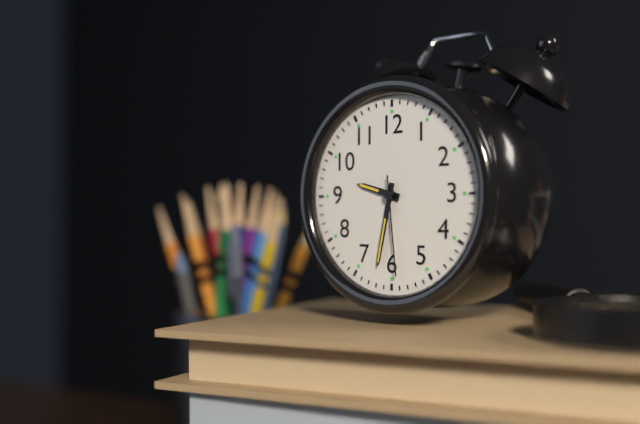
9:32:29
